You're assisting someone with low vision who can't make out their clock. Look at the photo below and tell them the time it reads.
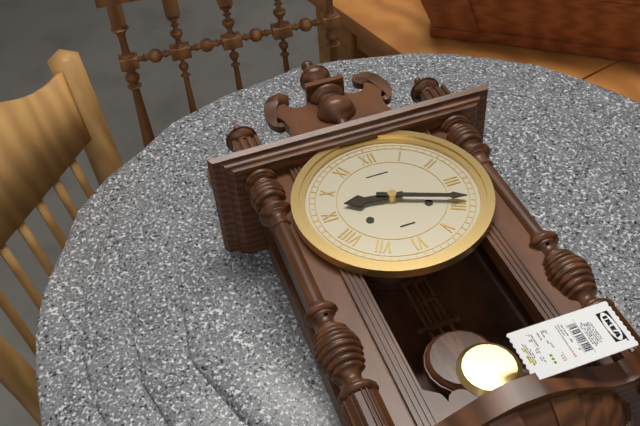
9:19
